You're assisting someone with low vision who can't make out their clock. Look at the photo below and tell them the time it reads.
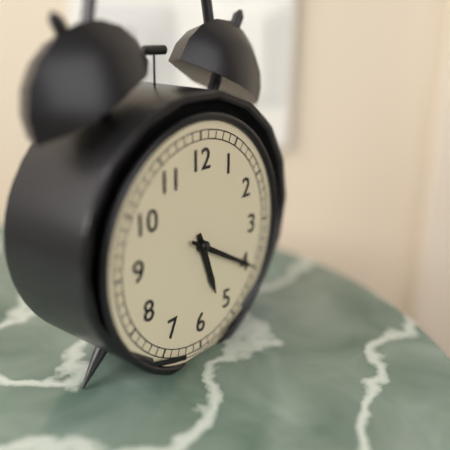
5:20
